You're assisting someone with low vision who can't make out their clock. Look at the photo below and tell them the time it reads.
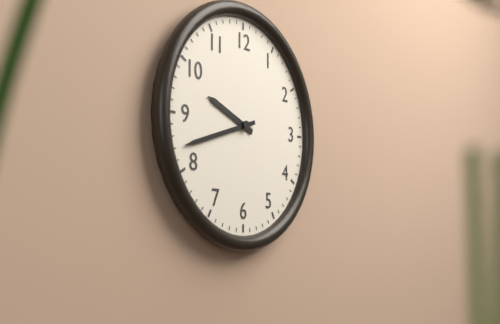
9:42
